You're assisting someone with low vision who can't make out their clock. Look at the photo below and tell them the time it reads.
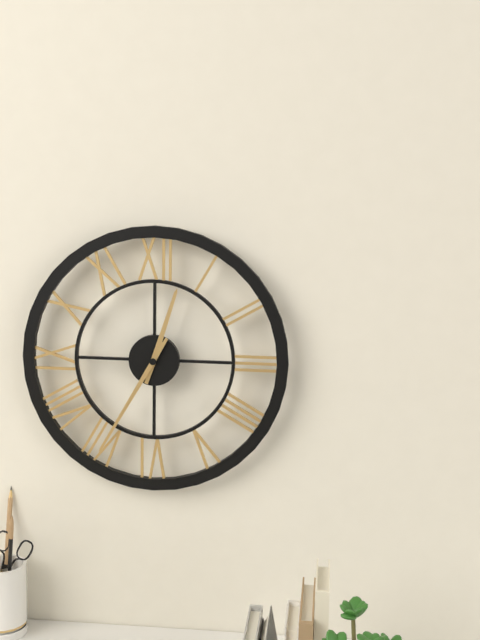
12:35
